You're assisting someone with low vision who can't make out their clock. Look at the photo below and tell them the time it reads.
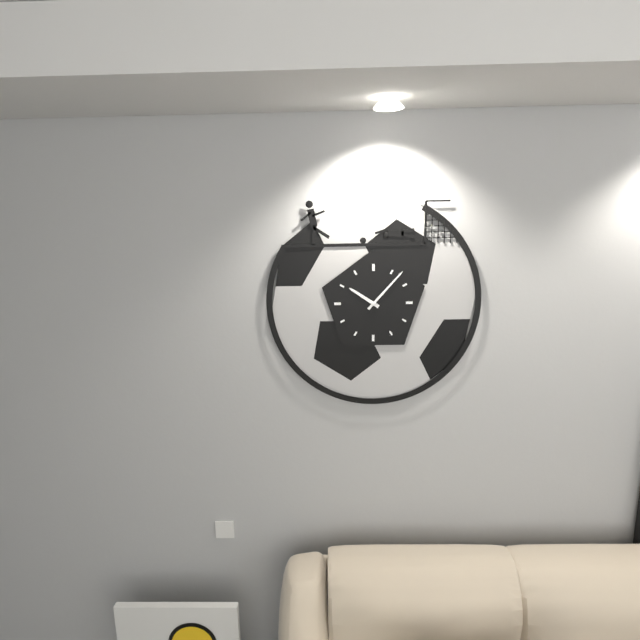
10:07
